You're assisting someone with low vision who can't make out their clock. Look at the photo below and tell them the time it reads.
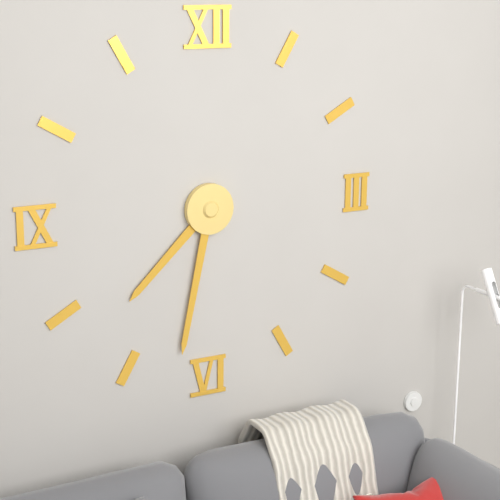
7:32
